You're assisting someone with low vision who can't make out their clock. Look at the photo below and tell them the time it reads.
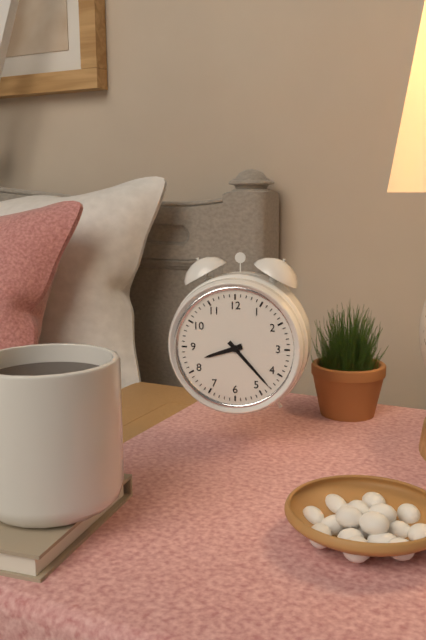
8:23
